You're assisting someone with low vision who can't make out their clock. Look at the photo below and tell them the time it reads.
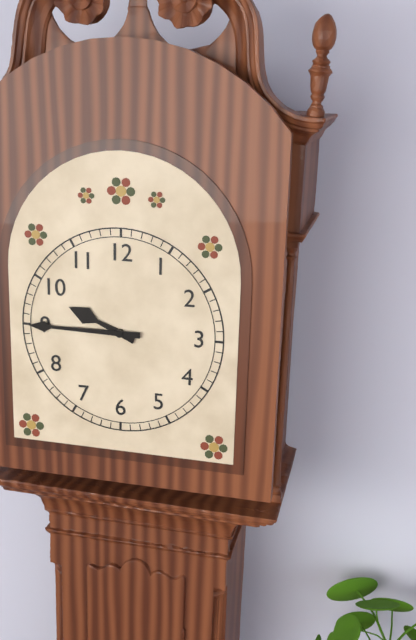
9:45
